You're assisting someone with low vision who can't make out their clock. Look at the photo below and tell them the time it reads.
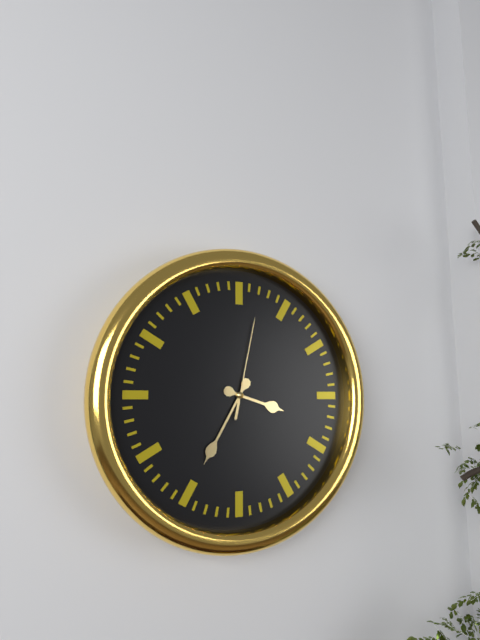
3:35:02
